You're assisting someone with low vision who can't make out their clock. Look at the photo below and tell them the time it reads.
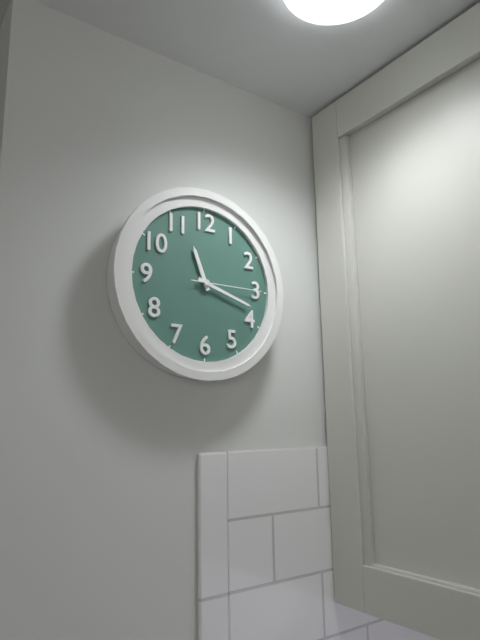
11:18:15
